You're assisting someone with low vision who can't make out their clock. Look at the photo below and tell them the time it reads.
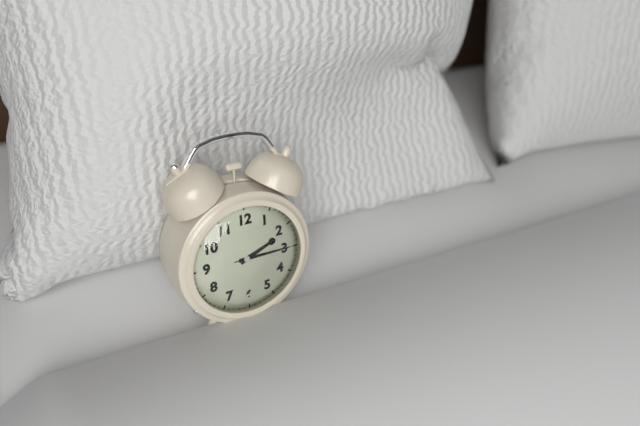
2:15:15
